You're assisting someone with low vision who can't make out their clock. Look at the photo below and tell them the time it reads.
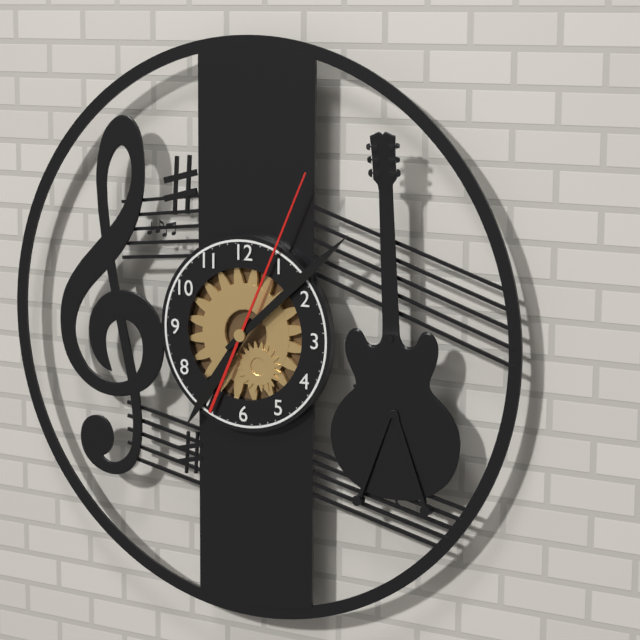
7:08:04
